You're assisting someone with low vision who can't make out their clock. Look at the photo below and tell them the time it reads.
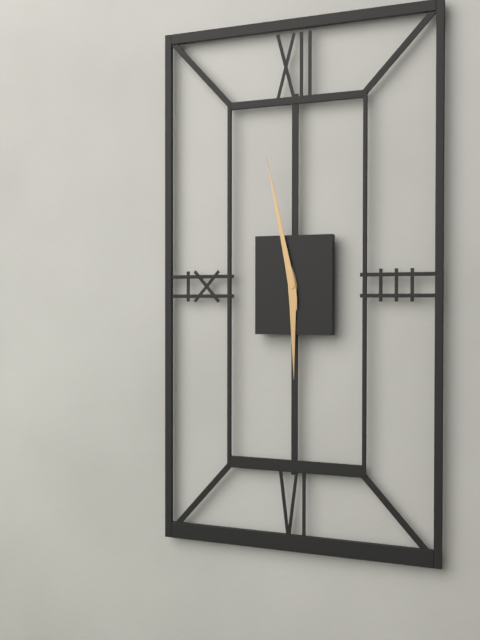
5:58
